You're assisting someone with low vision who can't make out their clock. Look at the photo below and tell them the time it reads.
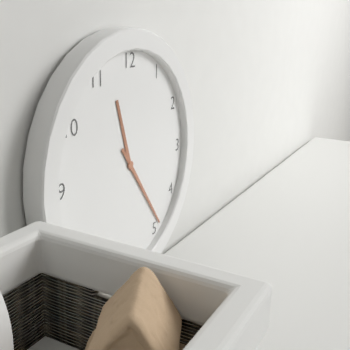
11:24
